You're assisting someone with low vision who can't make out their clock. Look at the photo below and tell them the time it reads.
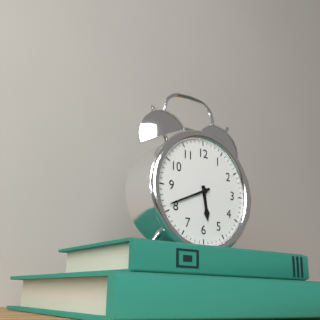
5:41
